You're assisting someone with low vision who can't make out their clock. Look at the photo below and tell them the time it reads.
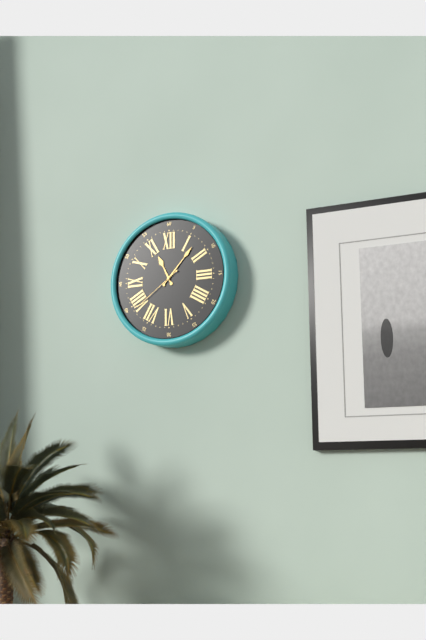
11:07:39
